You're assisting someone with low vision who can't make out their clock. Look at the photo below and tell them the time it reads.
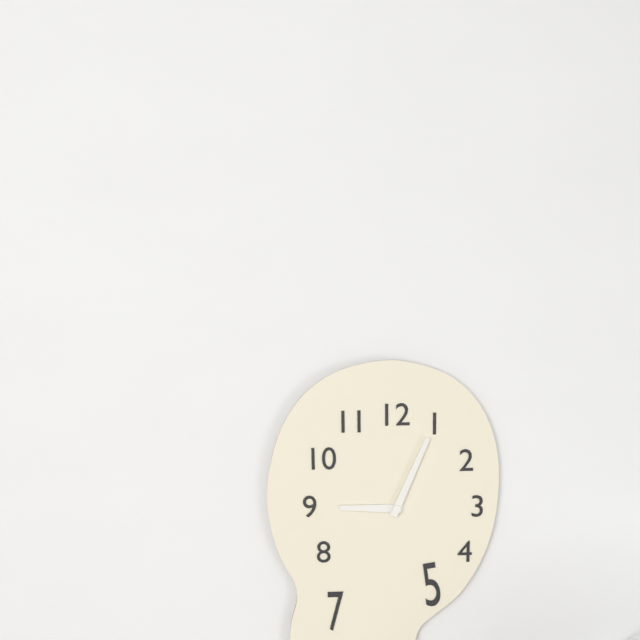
9:04
